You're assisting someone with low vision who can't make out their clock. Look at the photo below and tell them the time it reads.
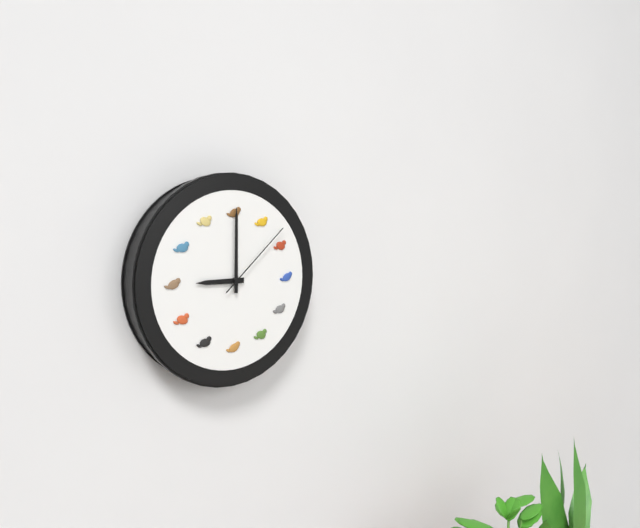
9:00:08
